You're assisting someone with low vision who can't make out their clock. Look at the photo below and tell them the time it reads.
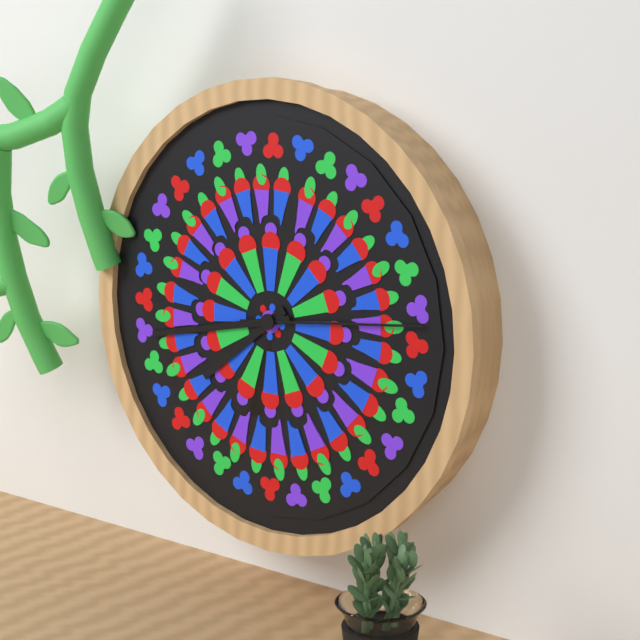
7:43:14
